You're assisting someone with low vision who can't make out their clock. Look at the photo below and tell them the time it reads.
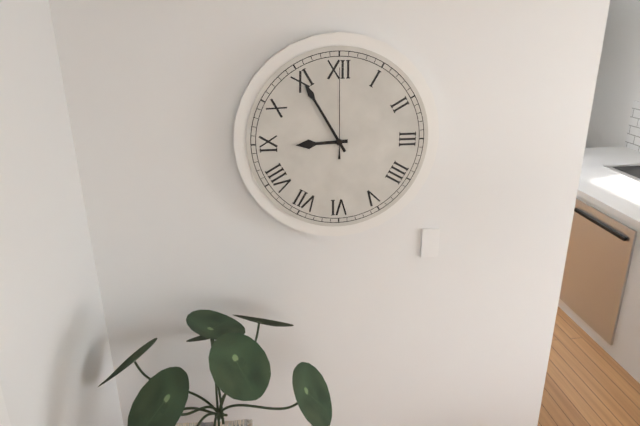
8:55:00
